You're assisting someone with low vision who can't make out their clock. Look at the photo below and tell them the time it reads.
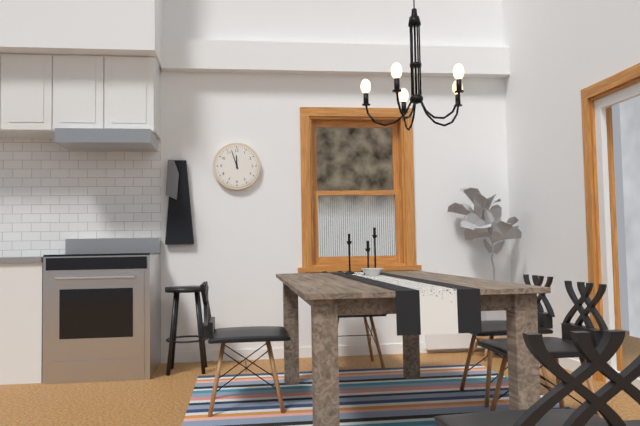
11:57
